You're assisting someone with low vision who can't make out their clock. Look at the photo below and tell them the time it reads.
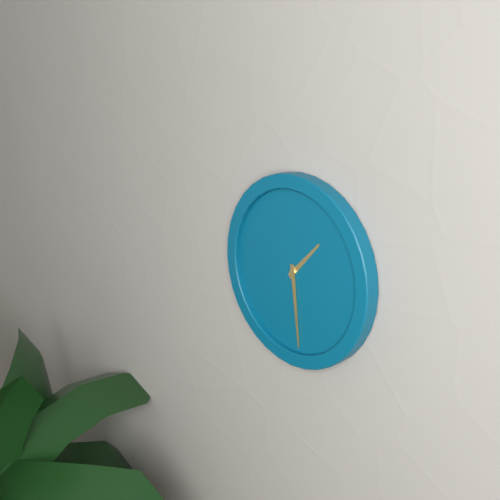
1:29
